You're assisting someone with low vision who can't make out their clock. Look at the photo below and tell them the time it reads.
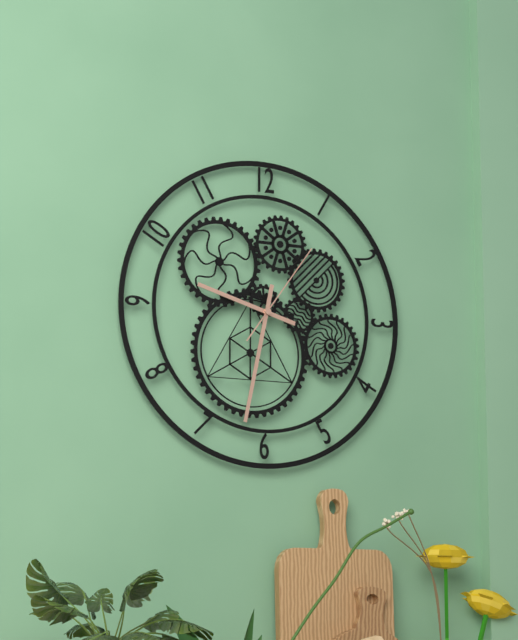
9:32:06
